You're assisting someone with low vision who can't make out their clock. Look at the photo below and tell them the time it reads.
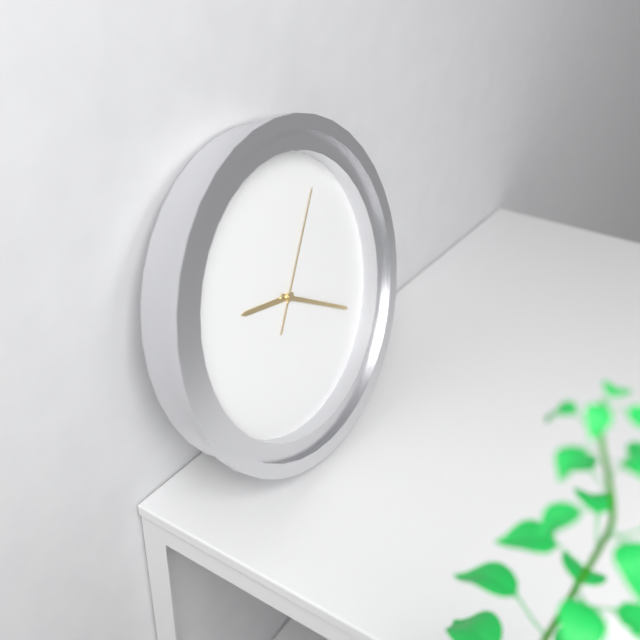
9:20:06
